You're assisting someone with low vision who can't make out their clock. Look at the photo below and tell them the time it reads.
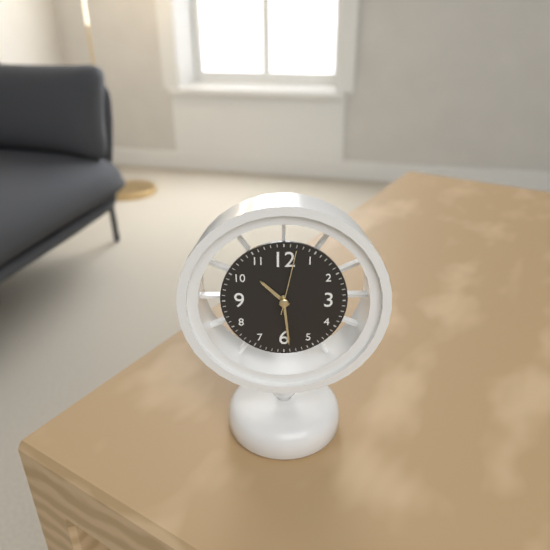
10:29:02
